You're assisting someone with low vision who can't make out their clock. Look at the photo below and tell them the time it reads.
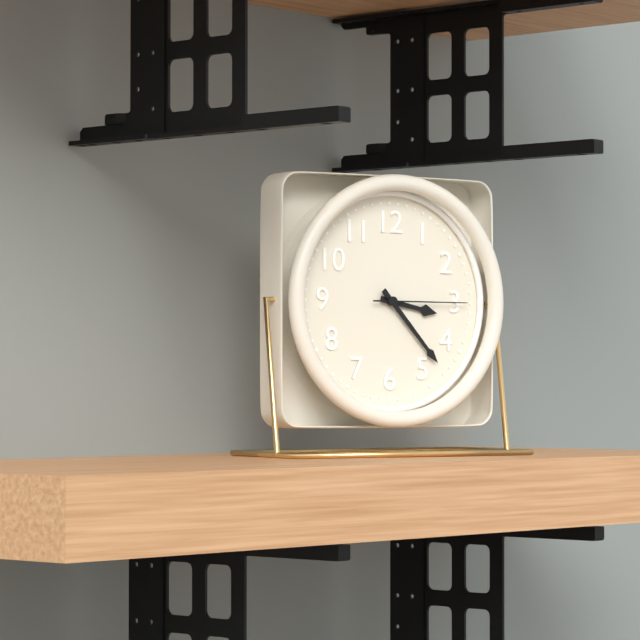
3:23:15
